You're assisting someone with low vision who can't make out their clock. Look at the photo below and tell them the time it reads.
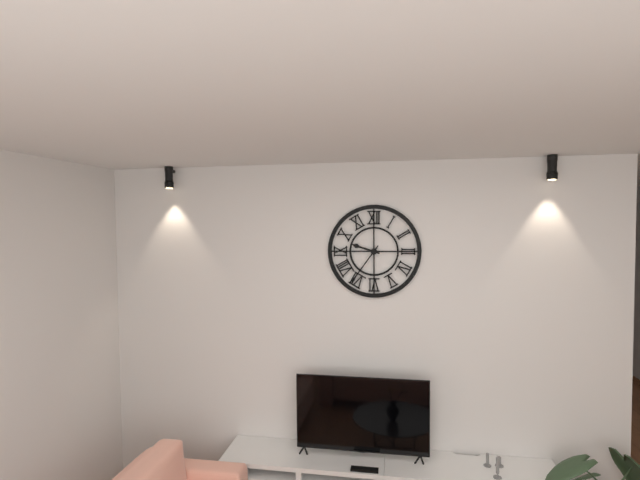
9:36
